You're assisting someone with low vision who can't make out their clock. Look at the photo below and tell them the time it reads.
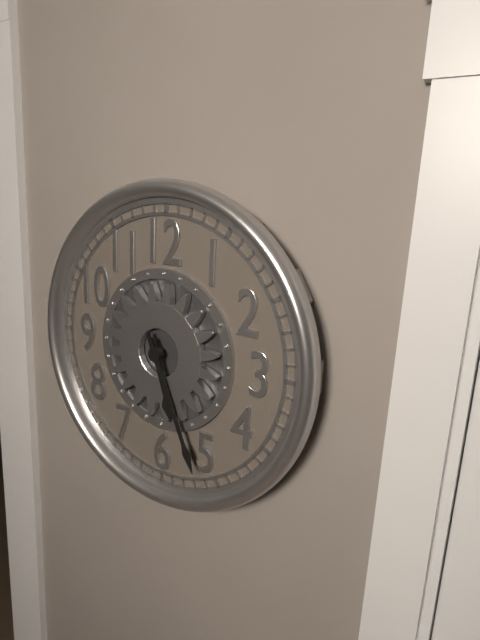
5:26
